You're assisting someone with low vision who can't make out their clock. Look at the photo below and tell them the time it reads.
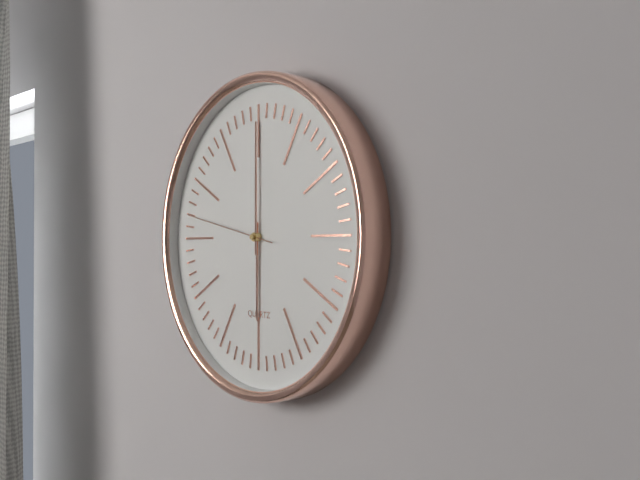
6:00:47
